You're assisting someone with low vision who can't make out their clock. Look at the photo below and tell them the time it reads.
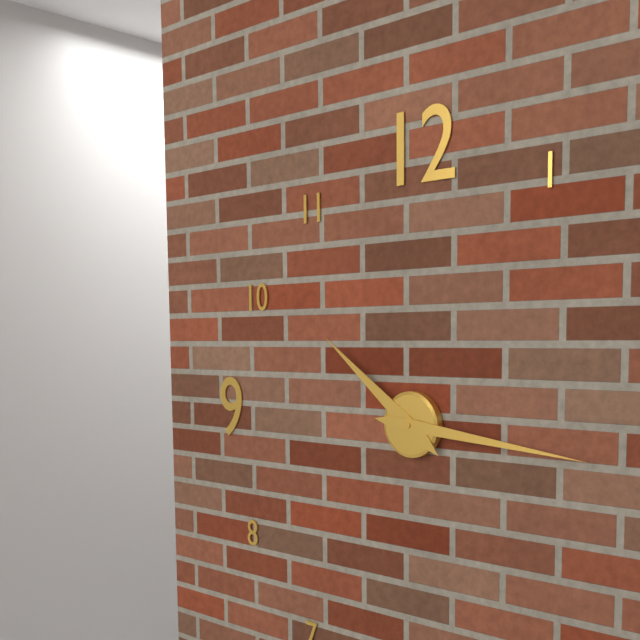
10:16
